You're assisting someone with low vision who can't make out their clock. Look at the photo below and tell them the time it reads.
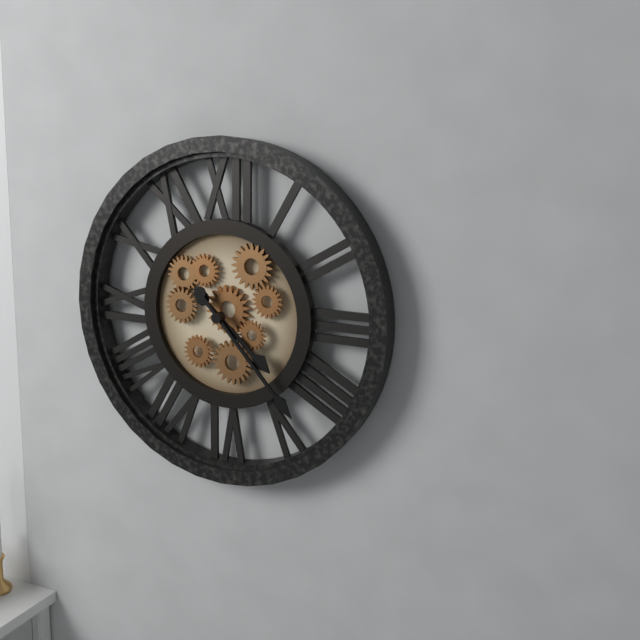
4:23
